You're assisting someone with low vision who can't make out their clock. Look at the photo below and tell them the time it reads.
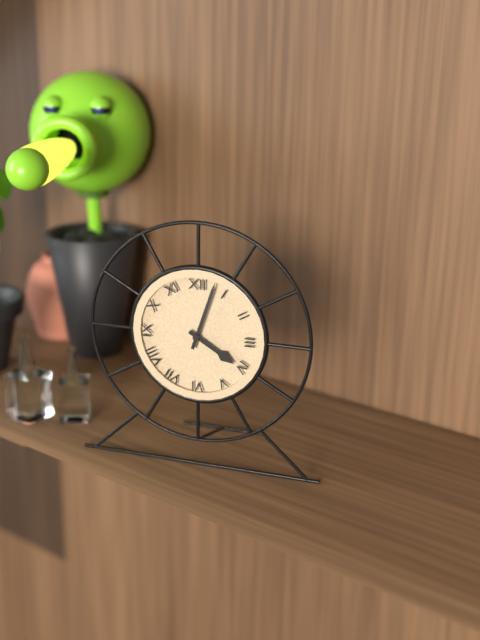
4:03
